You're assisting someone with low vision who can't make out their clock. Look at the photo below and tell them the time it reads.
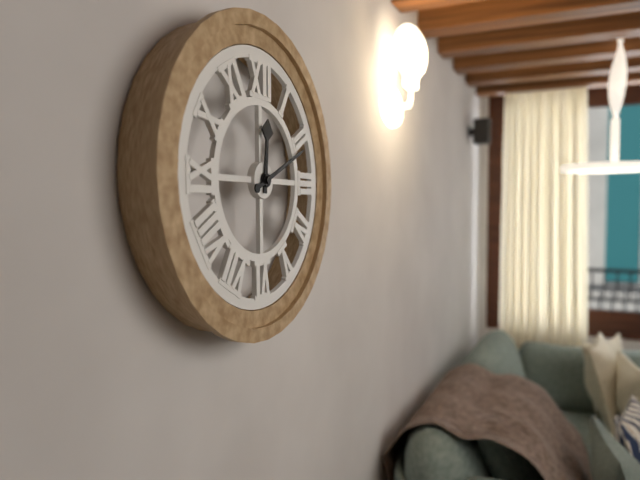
12:11
